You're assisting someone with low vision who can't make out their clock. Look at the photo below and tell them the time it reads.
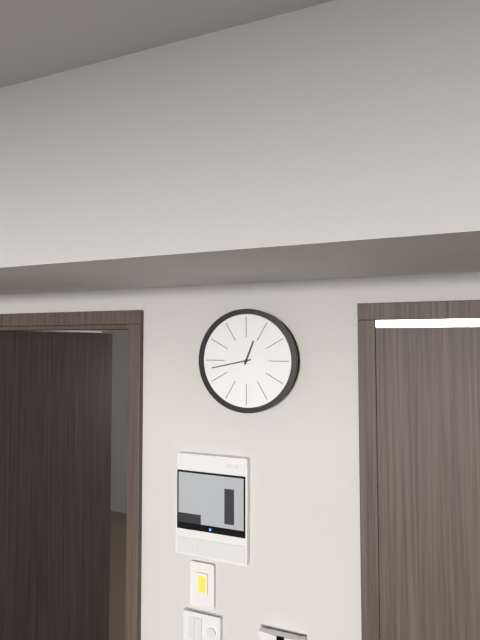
12:43
